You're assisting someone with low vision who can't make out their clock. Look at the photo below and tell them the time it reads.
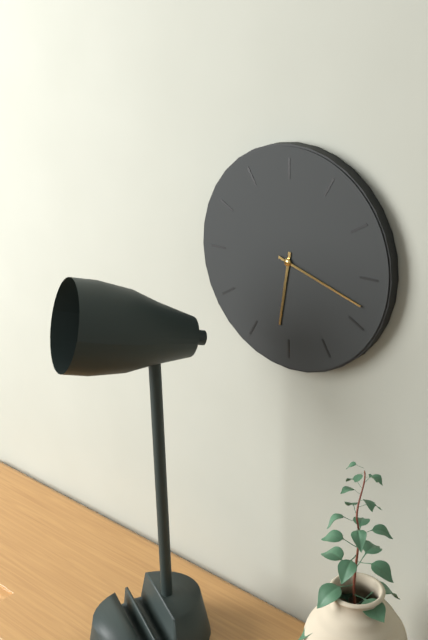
6:18
